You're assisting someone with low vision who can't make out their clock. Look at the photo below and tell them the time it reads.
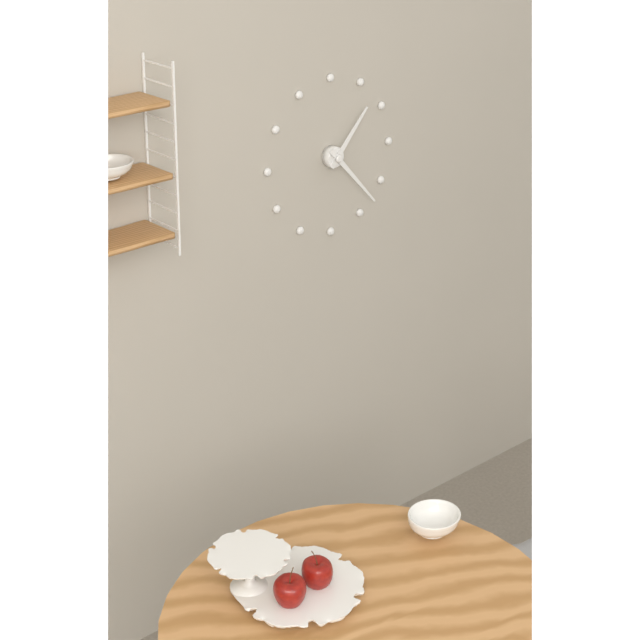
1:23
